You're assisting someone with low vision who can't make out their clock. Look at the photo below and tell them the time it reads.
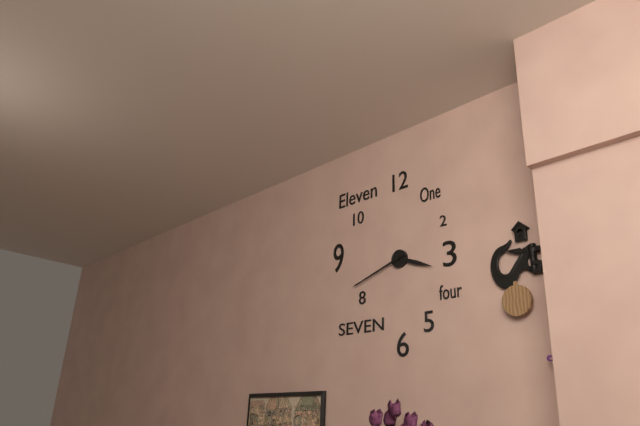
3:42
